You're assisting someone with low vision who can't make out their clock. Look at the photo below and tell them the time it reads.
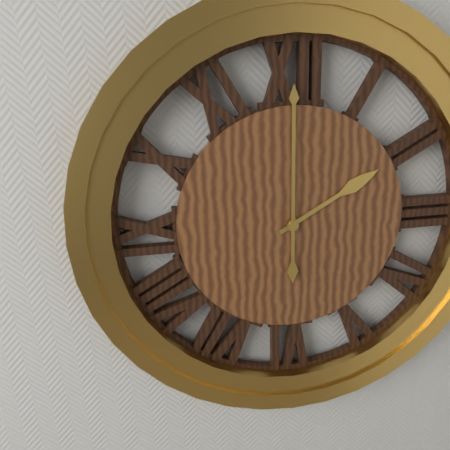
2:00
